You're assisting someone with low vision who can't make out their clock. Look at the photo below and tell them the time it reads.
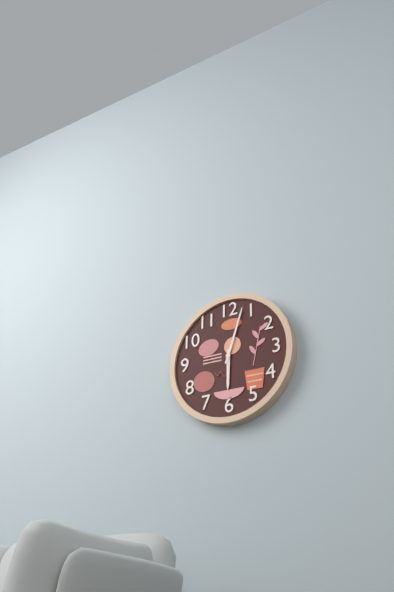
6:03
